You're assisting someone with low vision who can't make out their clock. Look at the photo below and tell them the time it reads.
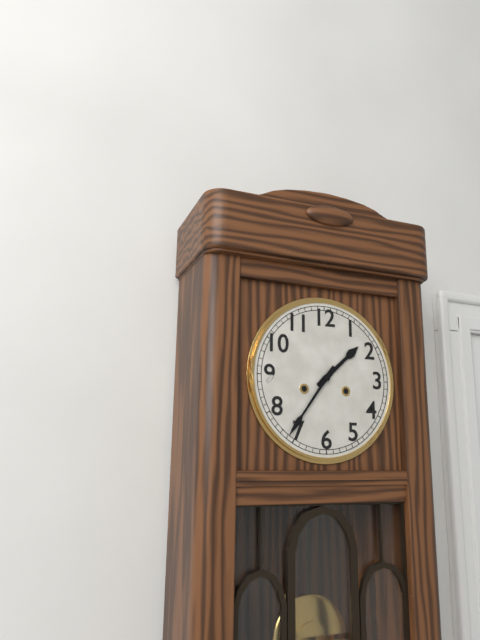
1:36
